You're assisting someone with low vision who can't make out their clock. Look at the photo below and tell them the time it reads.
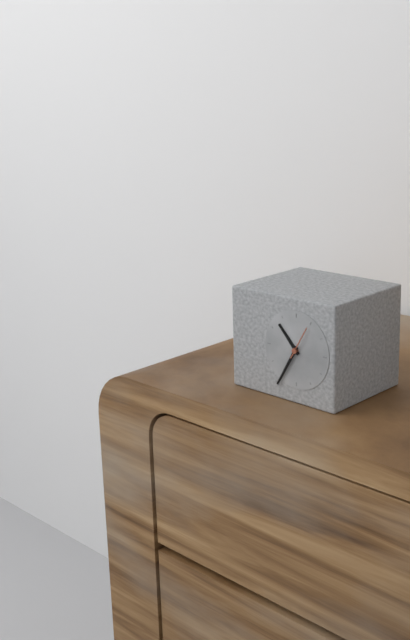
10:35
